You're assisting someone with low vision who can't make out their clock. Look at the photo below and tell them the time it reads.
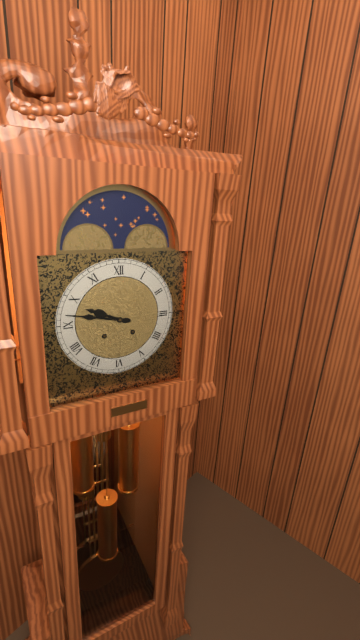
9:47
